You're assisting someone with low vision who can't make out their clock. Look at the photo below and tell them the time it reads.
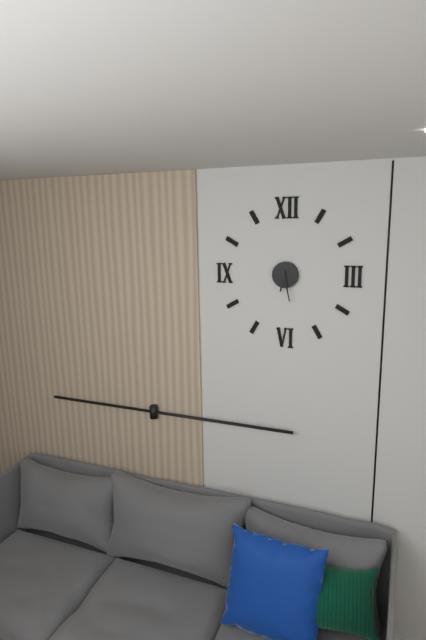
6:28
